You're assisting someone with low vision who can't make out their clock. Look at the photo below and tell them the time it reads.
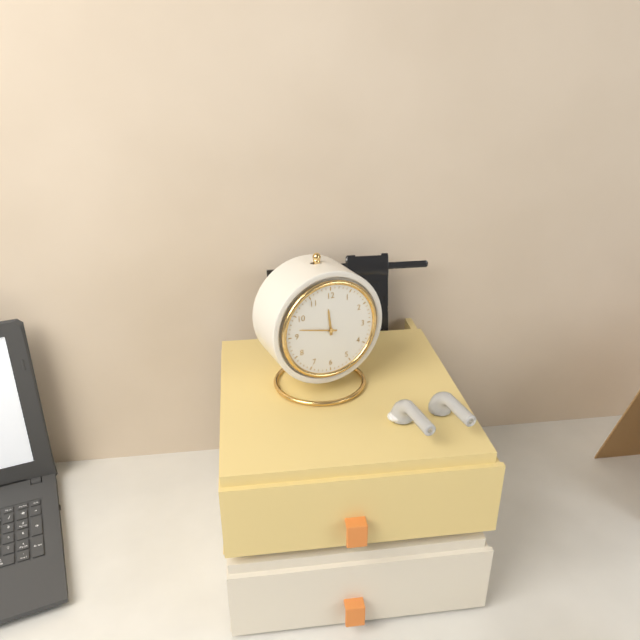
11:47
